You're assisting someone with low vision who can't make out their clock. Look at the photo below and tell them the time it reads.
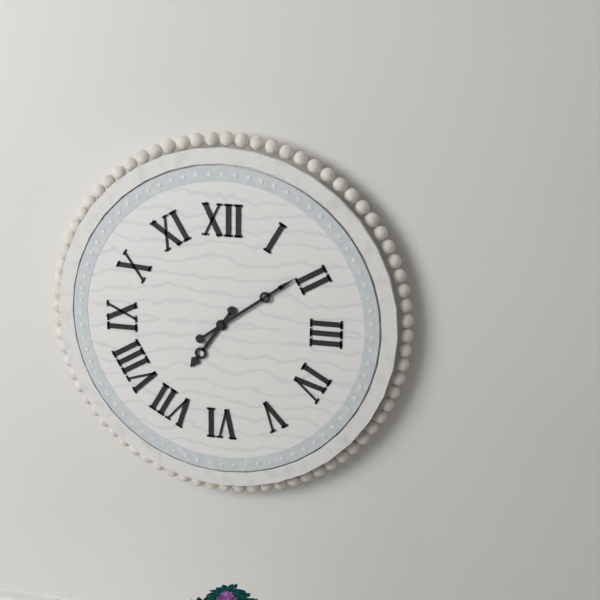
7:09
